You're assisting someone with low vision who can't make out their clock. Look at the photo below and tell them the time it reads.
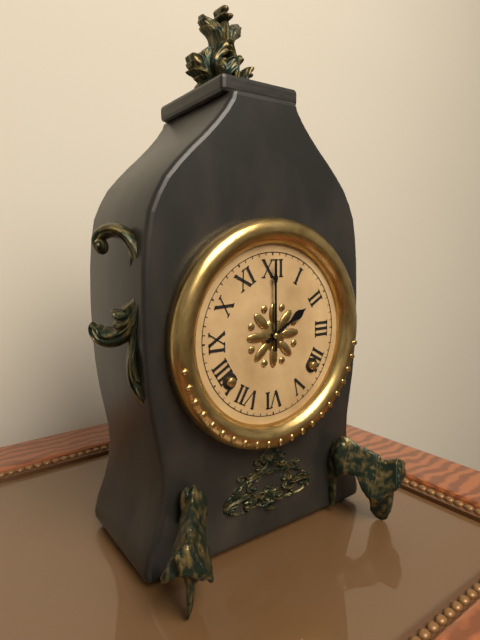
2:00
